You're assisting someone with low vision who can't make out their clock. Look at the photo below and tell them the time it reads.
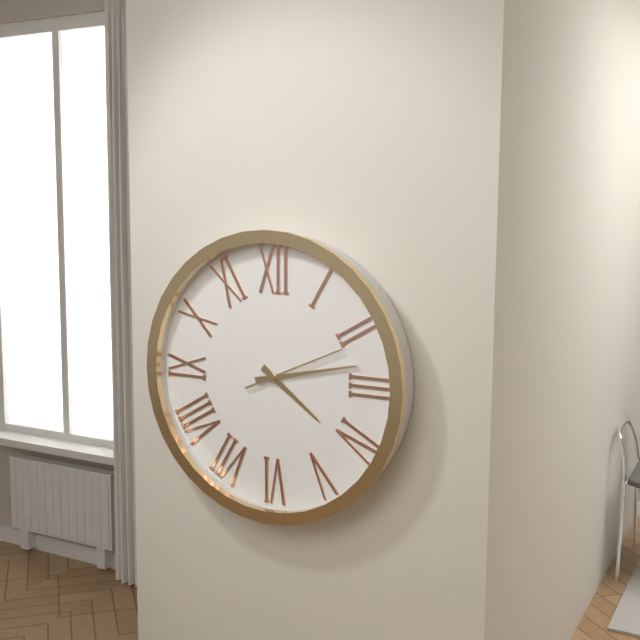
4:13:11
